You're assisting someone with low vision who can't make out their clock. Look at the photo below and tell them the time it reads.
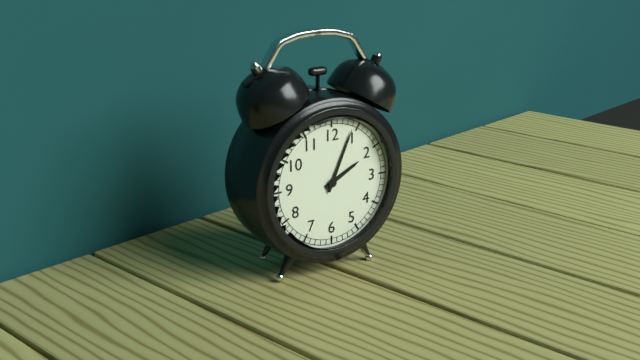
2:04
